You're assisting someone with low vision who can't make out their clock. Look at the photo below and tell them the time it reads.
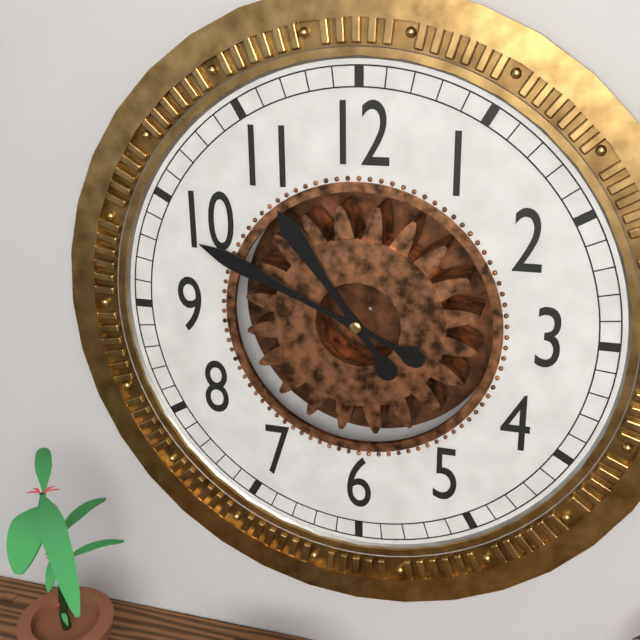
10:49
